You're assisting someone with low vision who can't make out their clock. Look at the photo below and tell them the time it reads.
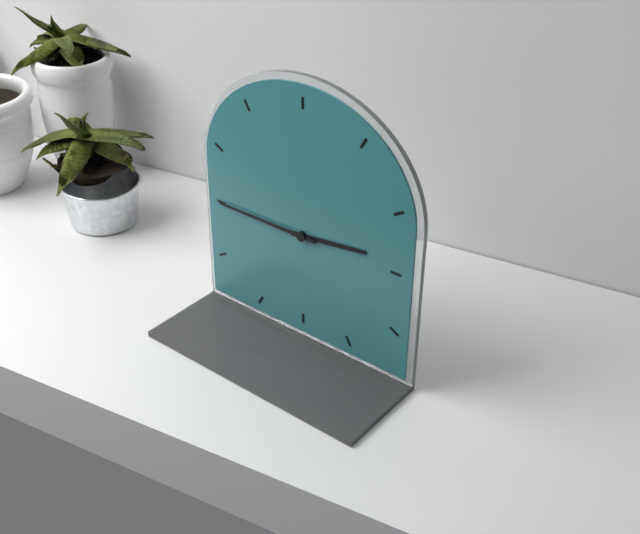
2:45
